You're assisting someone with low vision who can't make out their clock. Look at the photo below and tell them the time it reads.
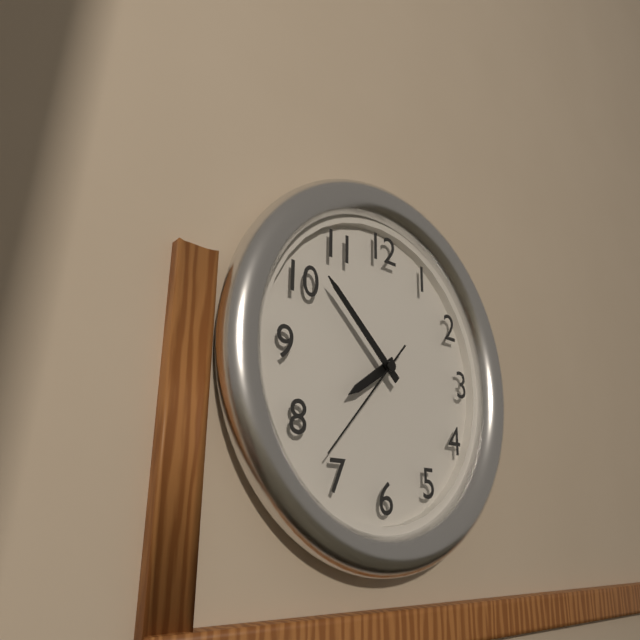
7:52:37
